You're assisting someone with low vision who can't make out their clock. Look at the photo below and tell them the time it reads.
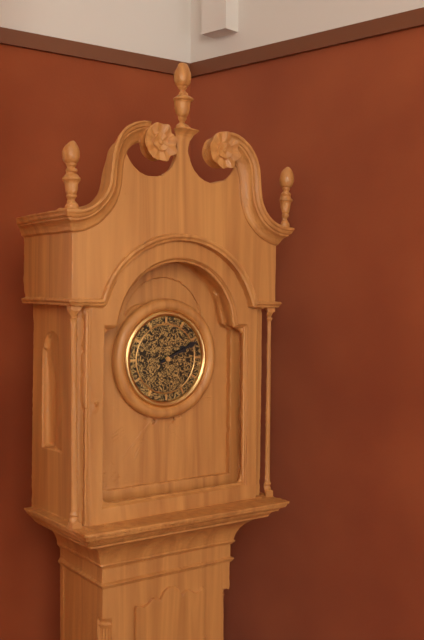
2:11
